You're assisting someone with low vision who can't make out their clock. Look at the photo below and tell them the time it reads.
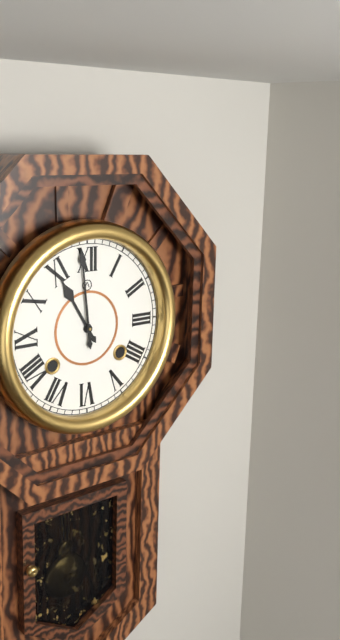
10:59
